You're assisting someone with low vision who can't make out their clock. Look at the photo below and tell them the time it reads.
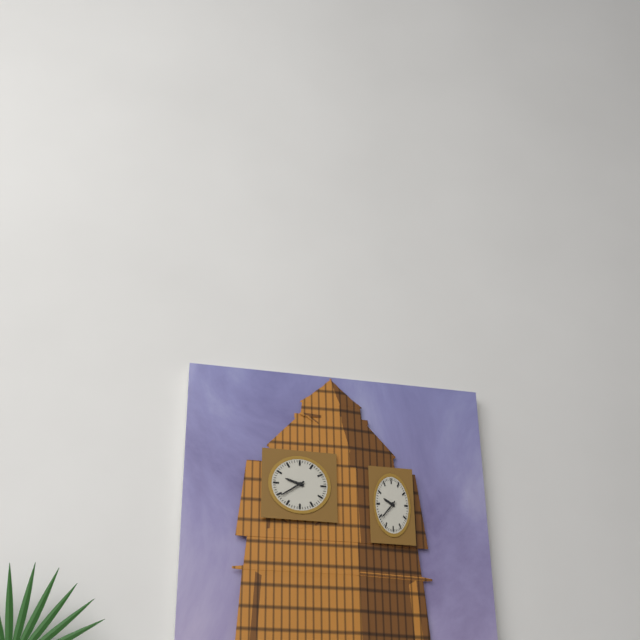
9:39
